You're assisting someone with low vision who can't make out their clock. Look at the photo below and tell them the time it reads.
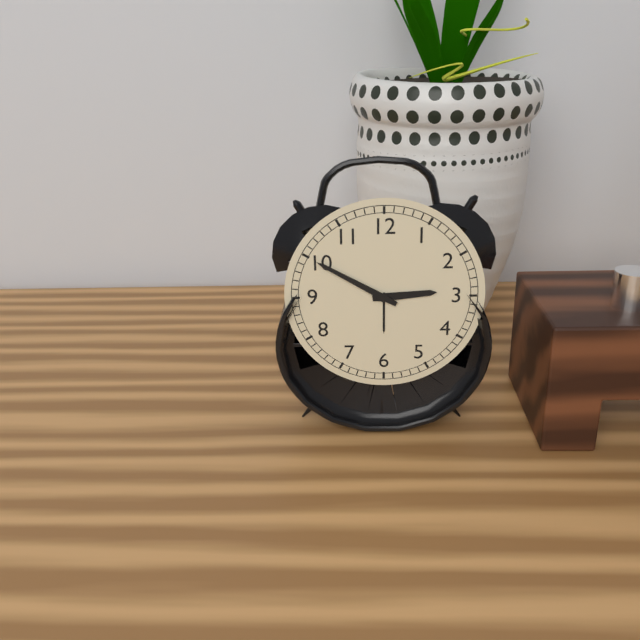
2:50
